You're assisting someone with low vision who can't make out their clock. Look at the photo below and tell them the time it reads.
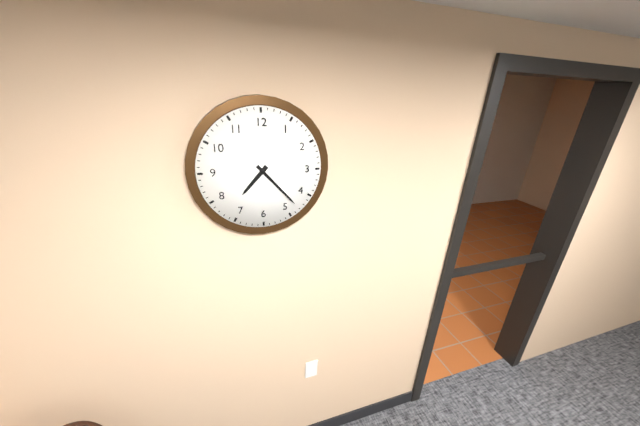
7:23
